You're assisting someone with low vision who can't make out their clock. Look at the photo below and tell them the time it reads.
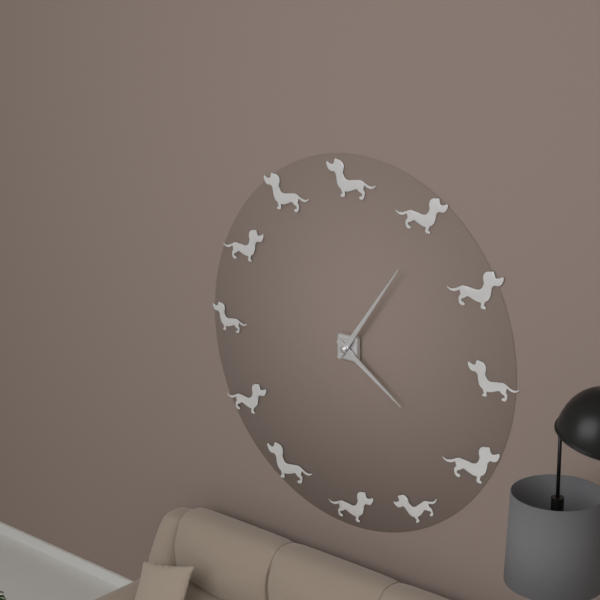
4:06
